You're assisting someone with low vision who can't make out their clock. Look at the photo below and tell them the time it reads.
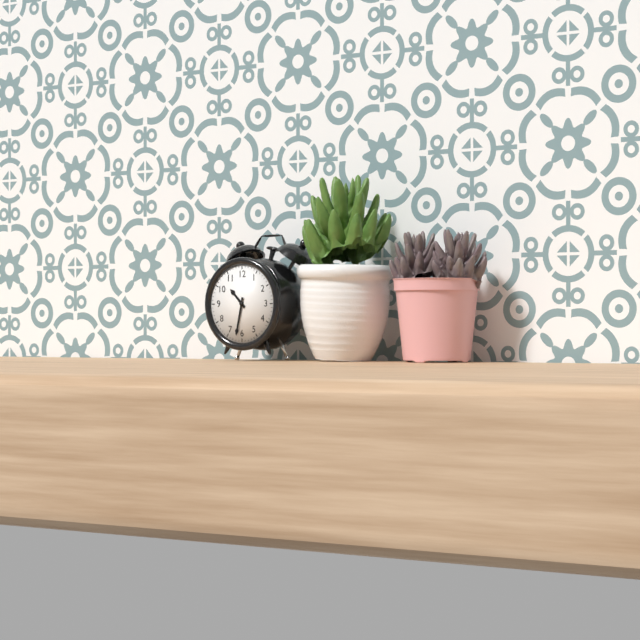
10:32
